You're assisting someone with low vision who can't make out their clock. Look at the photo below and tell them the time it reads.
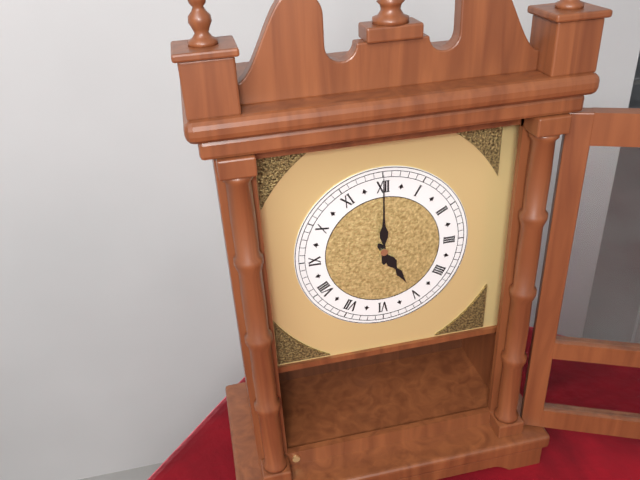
5:00
